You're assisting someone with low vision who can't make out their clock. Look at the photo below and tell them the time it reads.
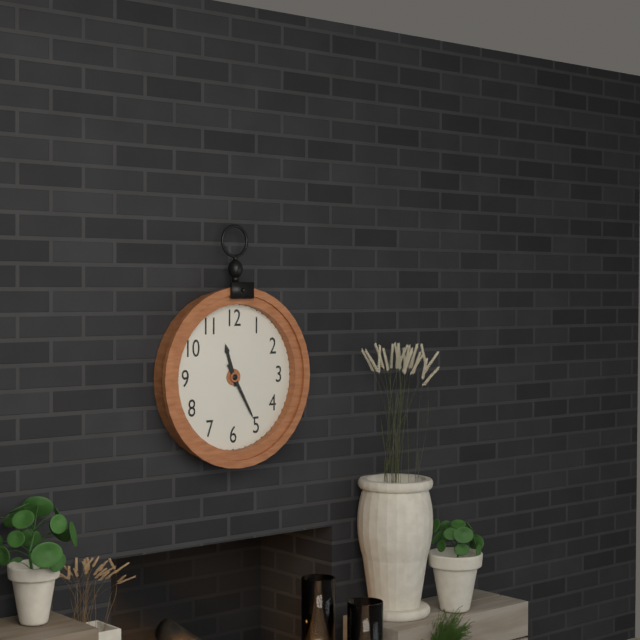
11:25
